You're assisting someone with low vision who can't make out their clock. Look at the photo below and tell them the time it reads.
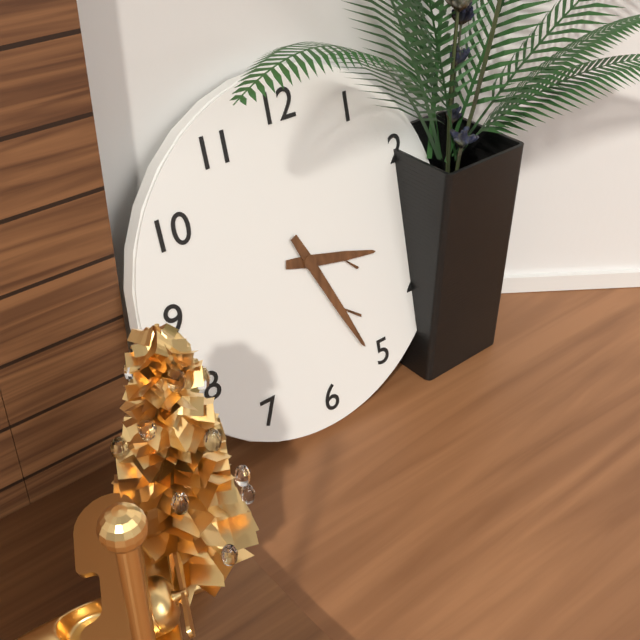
3:26
